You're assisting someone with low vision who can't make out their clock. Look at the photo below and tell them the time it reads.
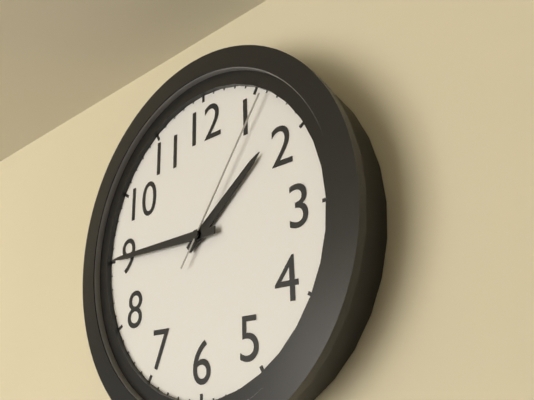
1:45:06
